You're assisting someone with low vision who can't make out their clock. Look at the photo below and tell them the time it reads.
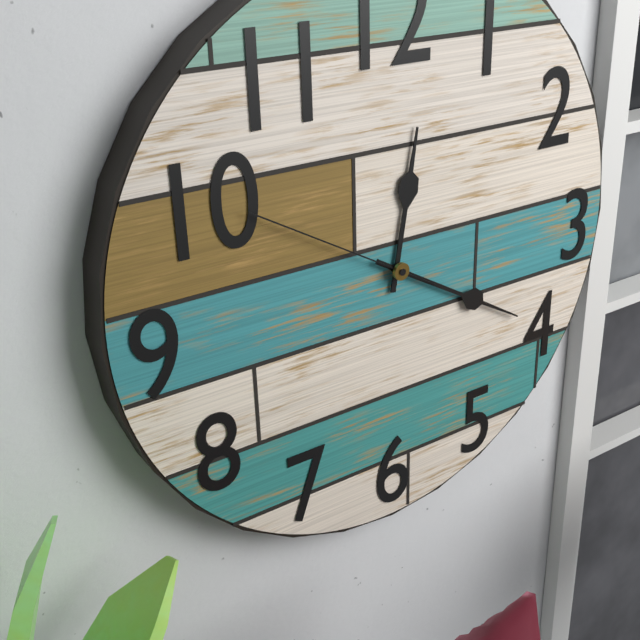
12:20:50
